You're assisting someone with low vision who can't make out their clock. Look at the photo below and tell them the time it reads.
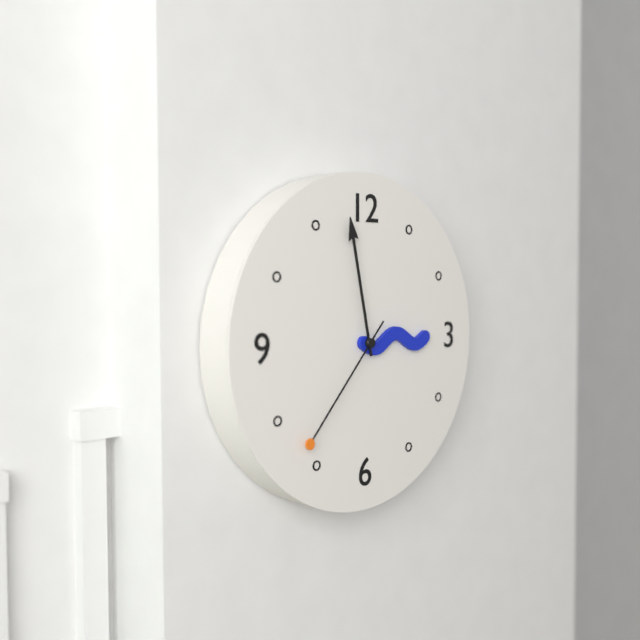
2:58:37
